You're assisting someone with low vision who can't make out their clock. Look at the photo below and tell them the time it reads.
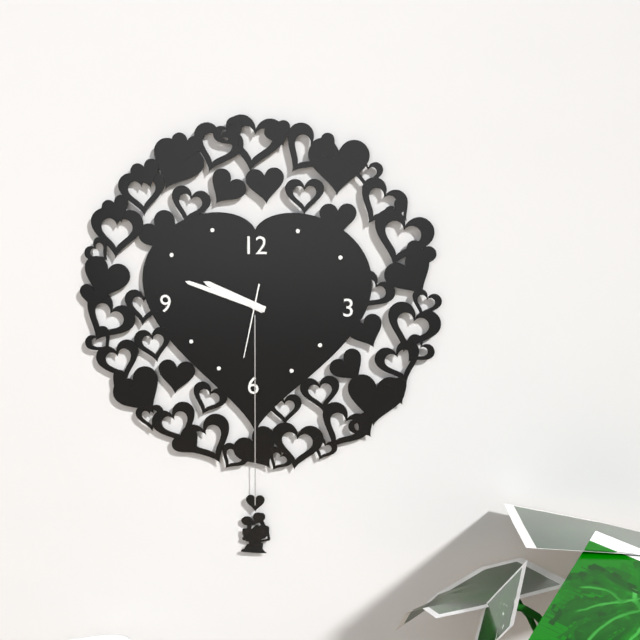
9:48:32
